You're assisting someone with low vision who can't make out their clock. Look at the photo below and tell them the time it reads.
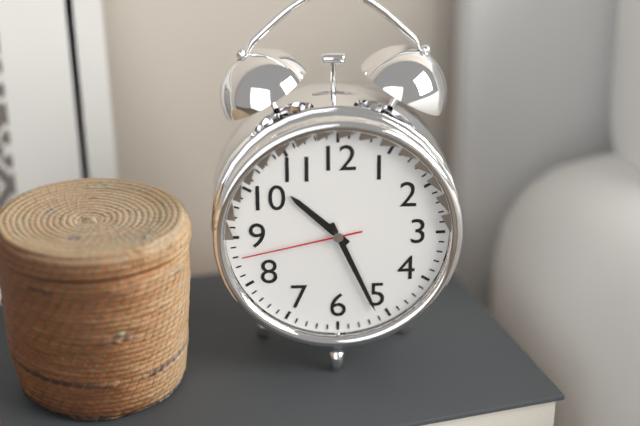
10:26:43
